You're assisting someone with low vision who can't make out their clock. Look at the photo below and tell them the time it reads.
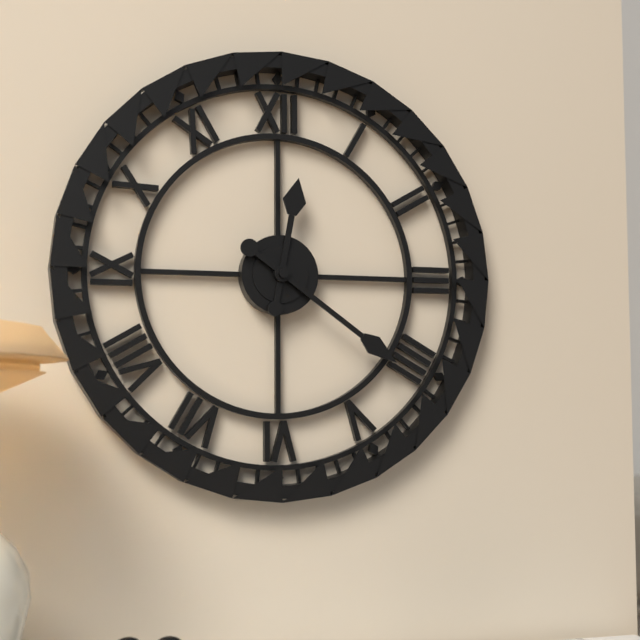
12:21
